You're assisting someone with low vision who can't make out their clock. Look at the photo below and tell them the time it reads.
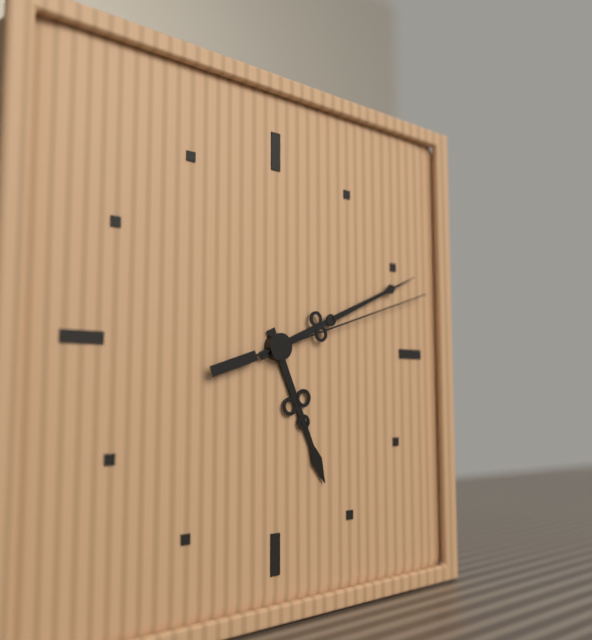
5:11:12
